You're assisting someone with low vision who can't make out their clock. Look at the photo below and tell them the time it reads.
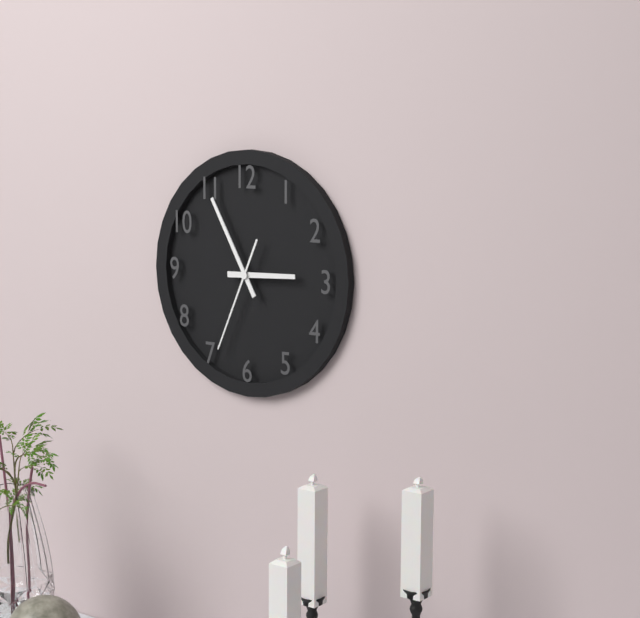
2:55:34
